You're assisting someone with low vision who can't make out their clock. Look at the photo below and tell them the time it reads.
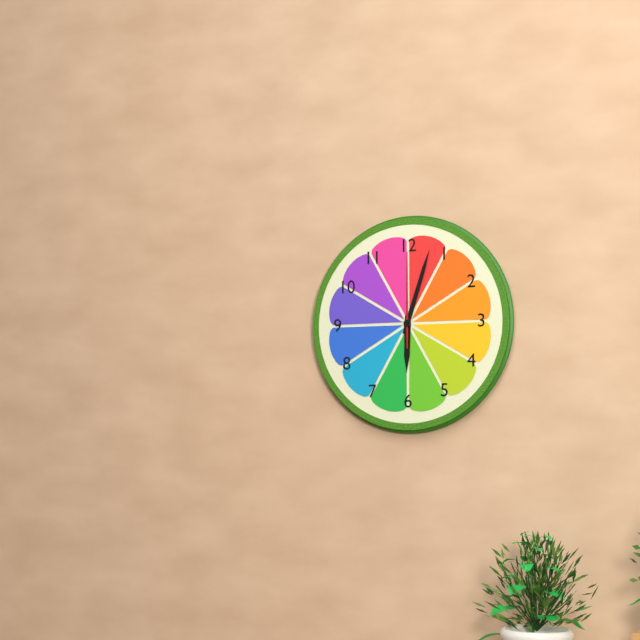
6:03:00
